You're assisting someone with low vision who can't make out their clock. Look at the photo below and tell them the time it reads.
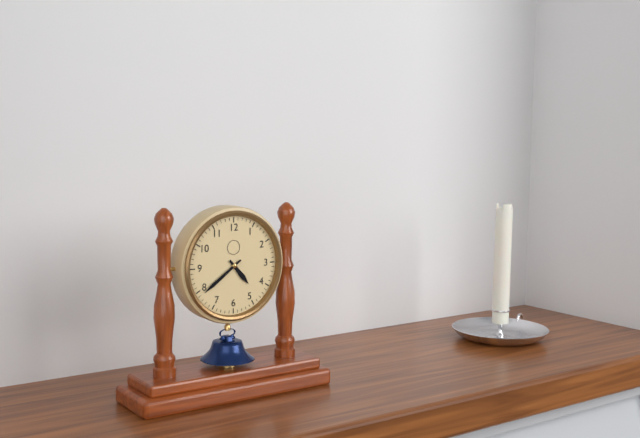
4:39
